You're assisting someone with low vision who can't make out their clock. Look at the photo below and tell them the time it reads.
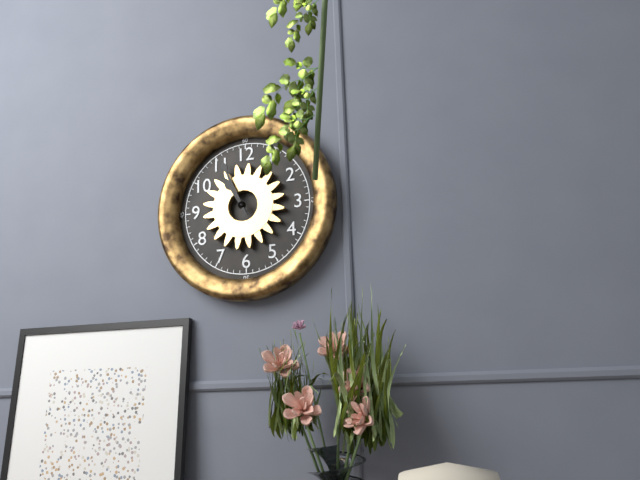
10:56
